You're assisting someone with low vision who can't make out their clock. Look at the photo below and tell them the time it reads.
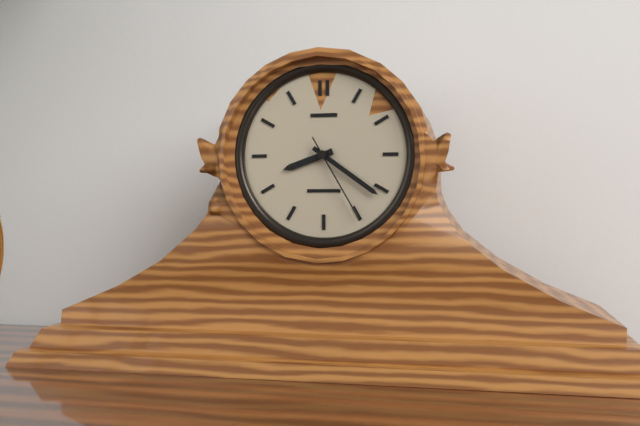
8:21:25
